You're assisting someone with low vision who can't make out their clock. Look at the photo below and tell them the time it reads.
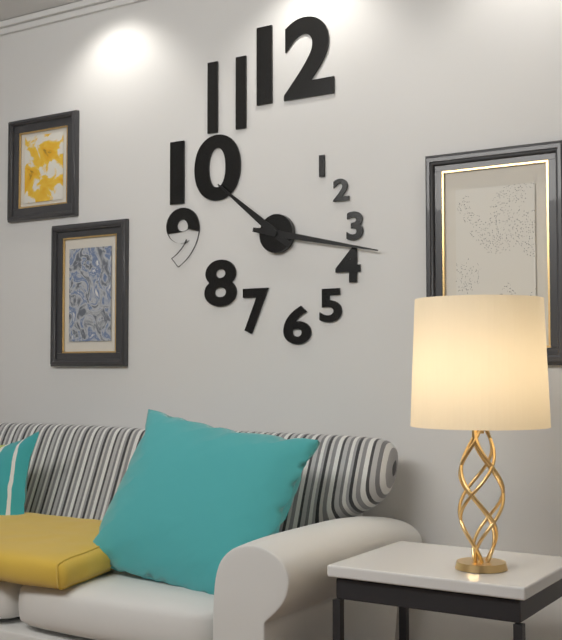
10:17
